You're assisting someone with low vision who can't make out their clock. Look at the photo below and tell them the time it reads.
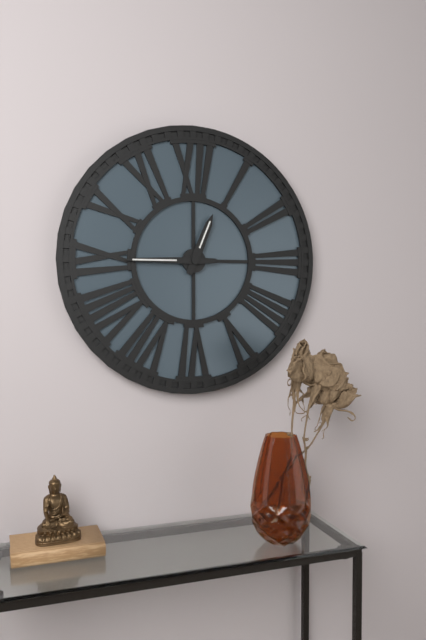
12:45
